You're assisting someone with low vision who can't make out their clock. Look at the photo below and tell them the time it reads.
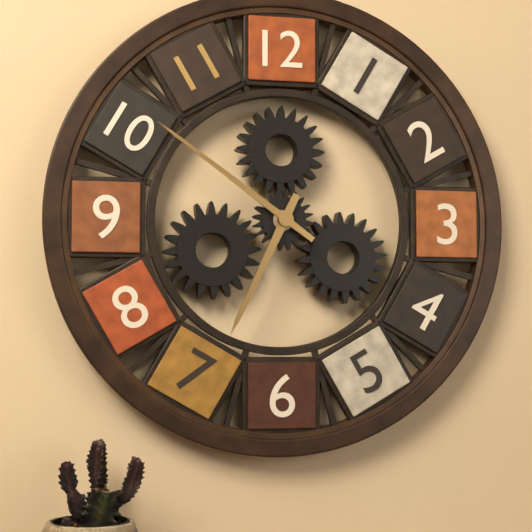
6:51
